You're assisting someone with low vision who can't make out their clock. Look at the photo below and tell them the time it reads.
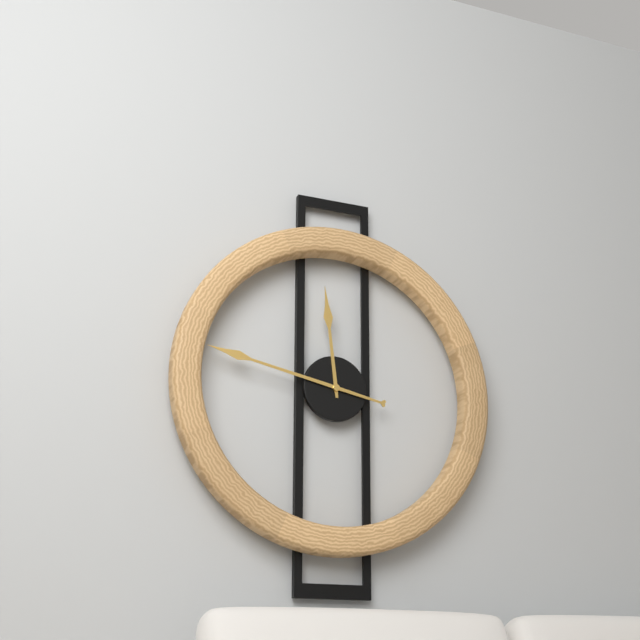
11:47
